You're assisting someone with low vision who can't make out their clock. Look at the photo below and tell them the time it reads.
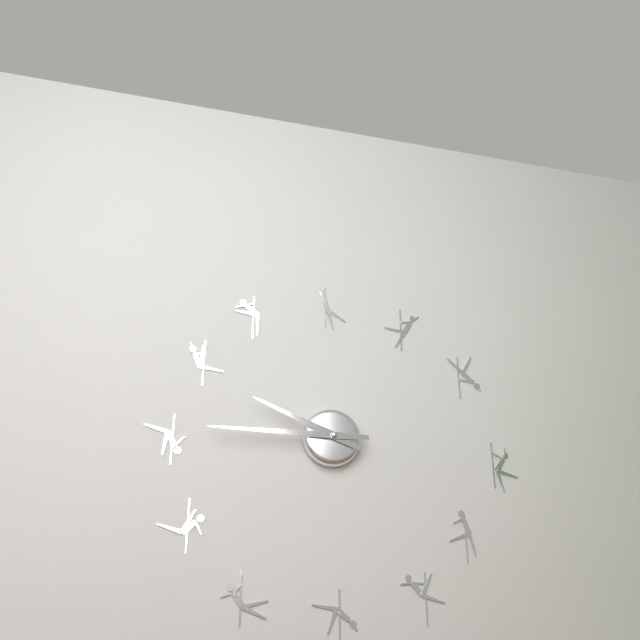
9:45
